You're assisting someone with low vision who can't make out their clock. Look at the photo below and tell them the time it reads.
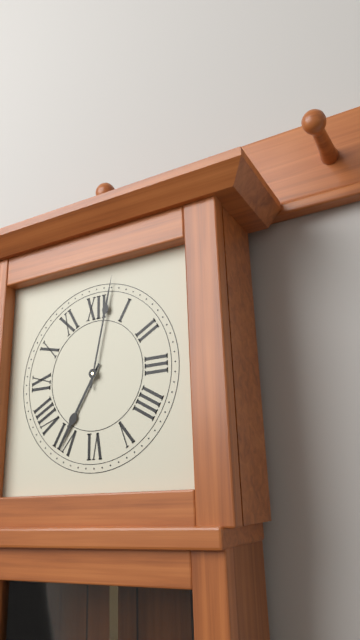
7:02
